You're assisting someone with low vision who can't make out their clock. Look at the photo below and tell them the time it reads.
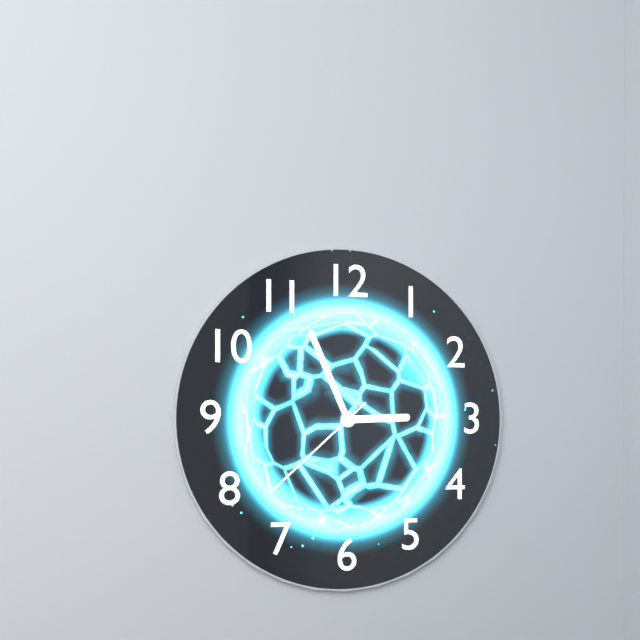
2:56:38
